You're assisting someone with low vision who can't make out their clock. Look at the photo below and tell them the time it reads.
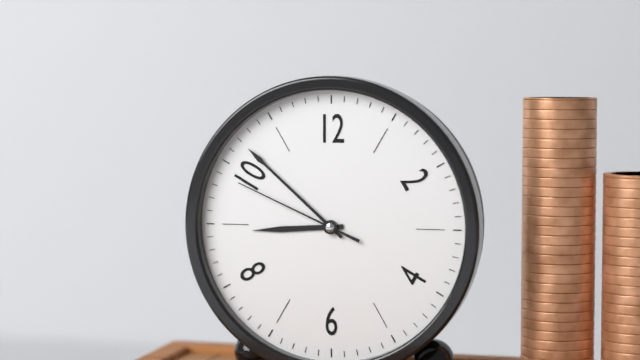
8:52:49
